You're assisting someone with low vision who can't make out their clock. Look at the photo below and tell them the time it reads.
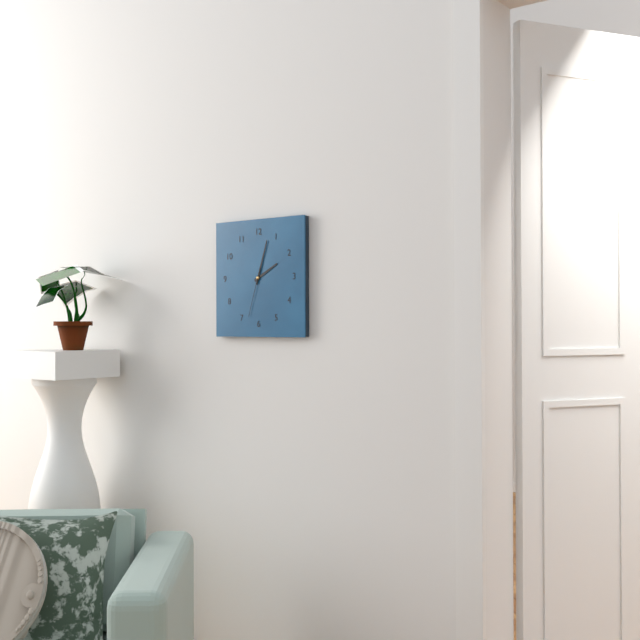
2:03:33
